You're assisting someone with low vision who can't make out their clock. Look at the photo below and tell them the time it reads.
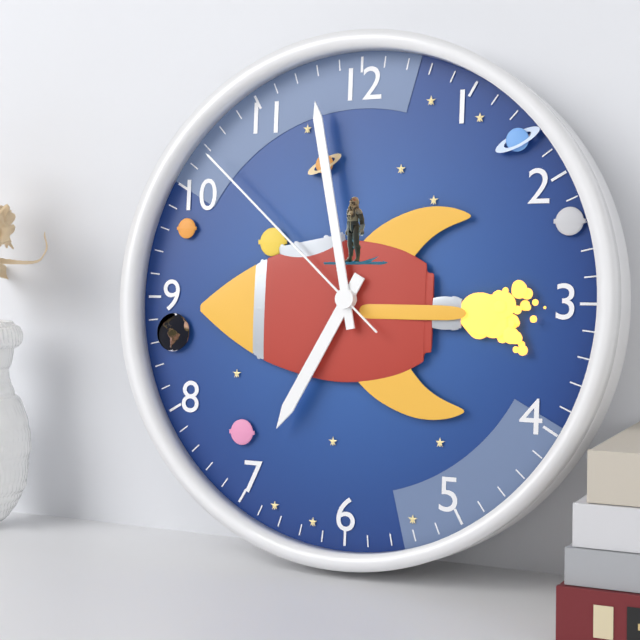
6:58:52
